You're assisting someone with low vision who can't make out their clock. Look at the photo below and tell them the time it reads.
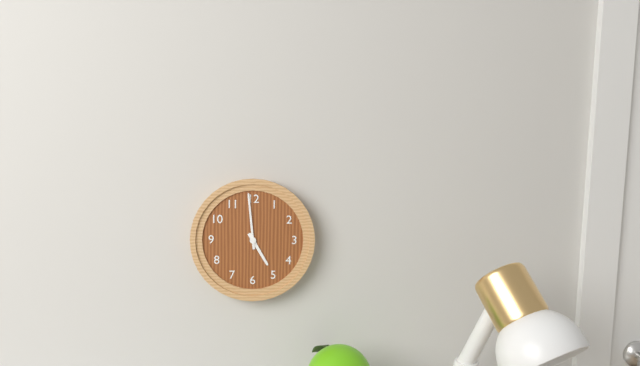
4:59
